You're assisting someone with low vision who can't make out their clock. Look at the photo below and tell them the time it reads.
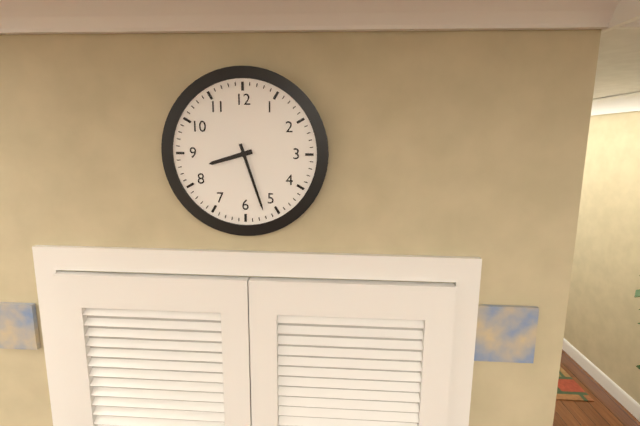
8:27
